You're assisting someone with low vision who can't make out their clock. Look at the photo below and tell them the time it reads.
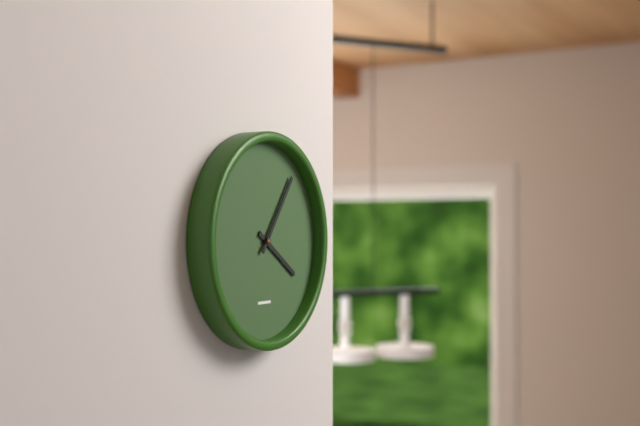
4:06
